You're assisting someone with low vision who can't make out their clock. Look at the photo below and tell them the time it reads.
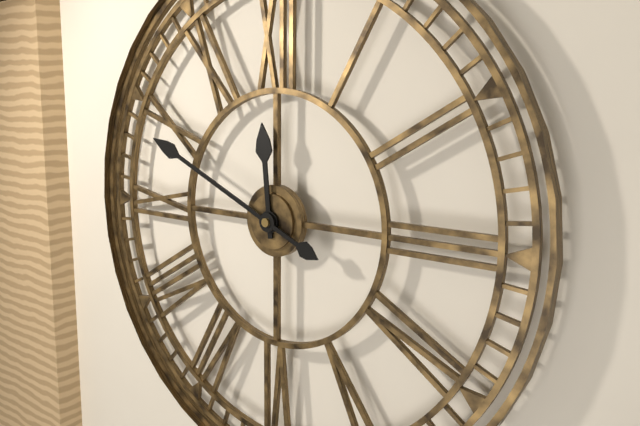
11:49
